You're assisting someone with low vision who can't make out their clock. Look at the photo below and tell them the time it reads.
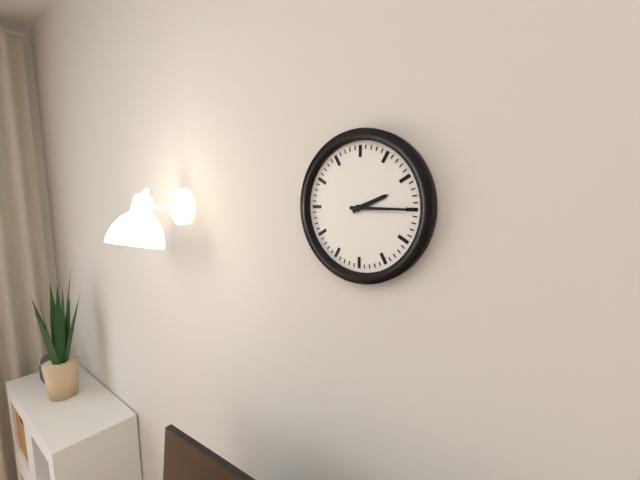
2:15
